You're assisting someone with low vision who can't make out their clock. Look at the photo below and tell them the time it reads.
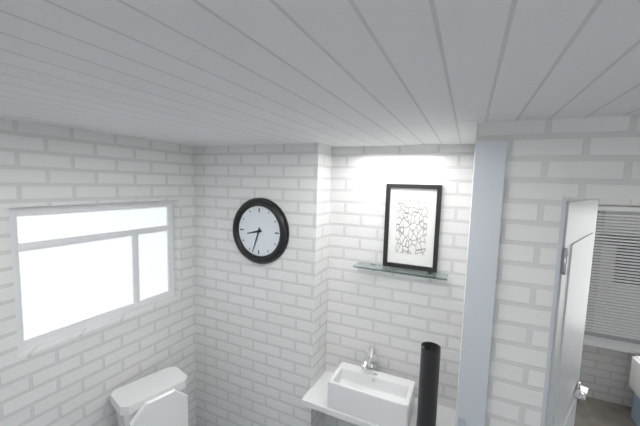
8:33
